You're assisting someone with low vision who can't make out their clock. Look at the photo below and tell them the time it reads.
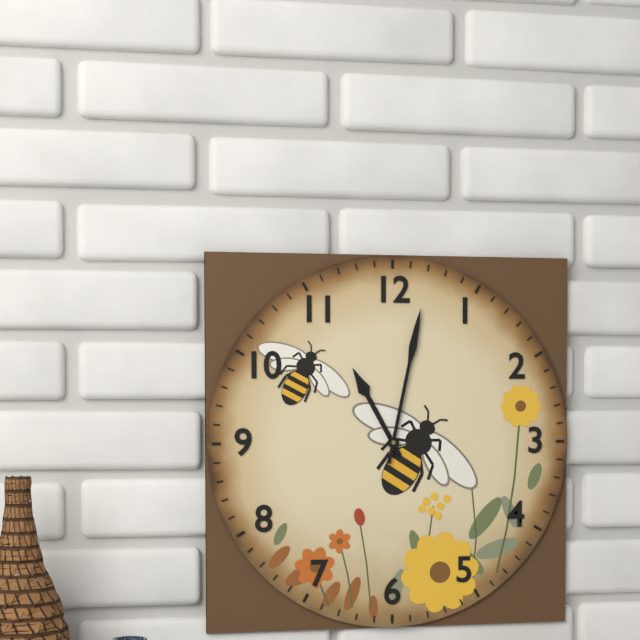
11:02
